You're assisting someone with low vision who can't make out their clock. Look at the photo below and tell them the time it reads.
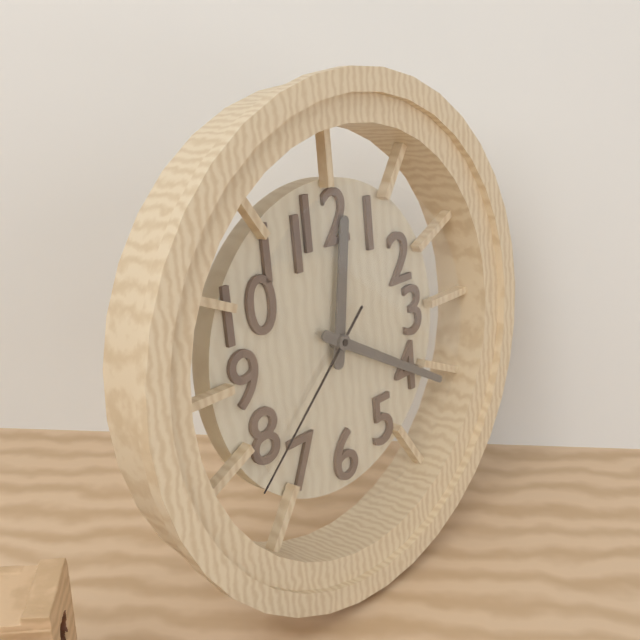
12:20:38
